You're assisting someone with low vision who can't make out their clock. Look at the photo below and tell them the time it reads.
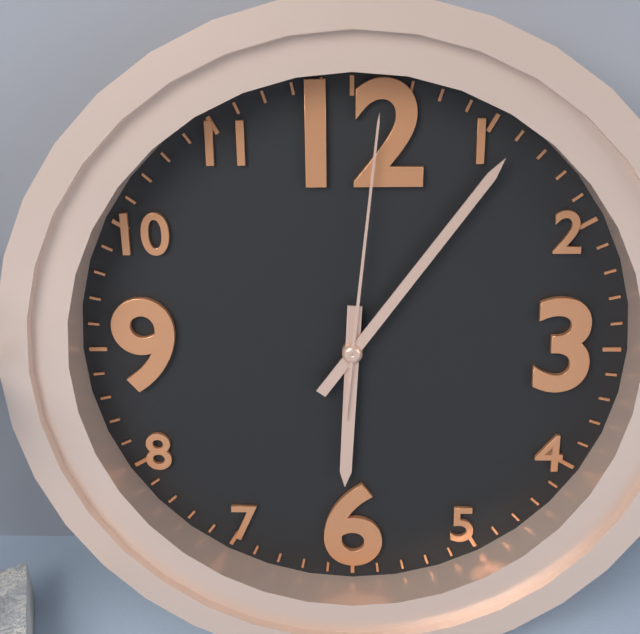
6:06:01
